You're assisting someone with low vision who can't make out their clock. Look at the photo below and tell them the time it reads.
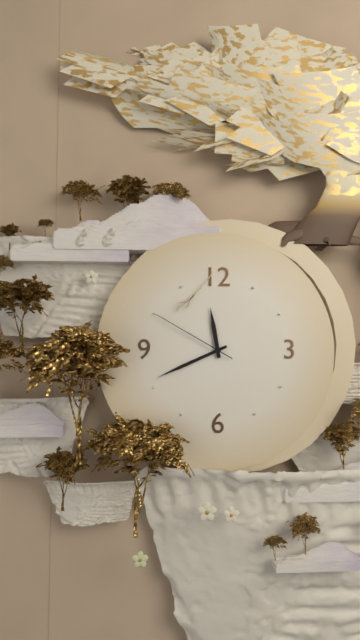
11:41:50
